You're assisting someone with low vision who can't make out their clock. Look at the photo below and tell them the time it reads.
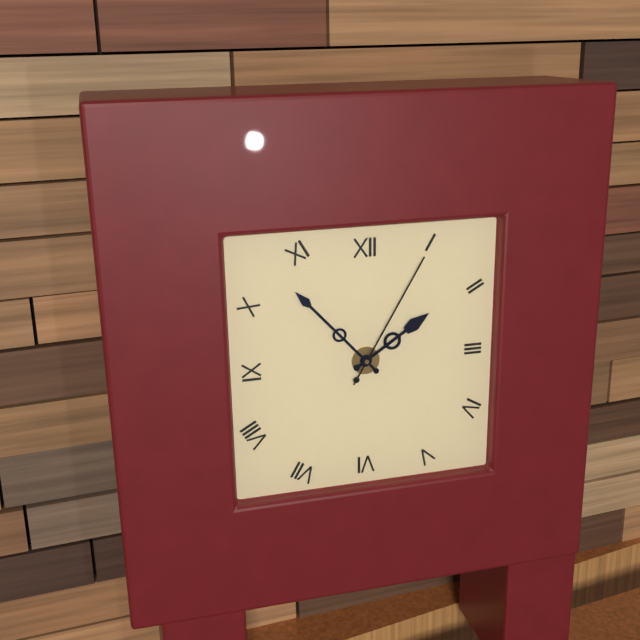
1:53:05
